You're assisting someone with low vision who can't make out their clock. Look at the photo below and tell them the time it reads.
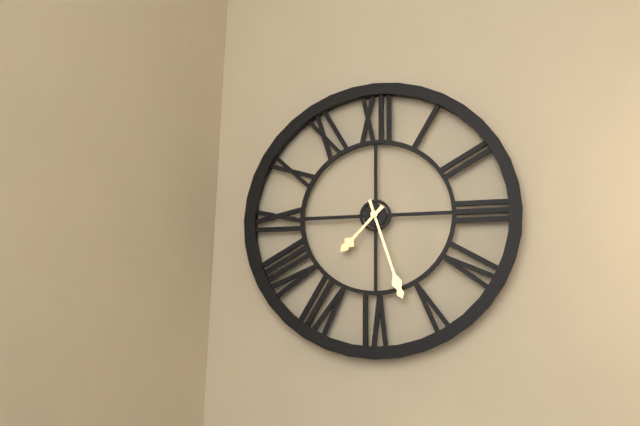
7:27
